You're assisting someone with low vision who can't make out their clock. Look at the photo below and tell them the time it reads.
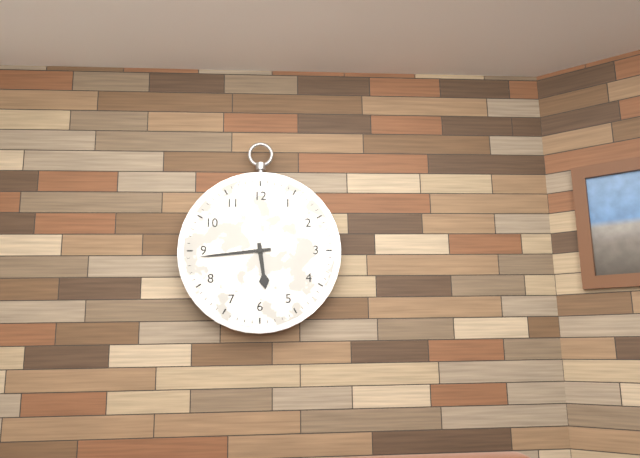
5:44
